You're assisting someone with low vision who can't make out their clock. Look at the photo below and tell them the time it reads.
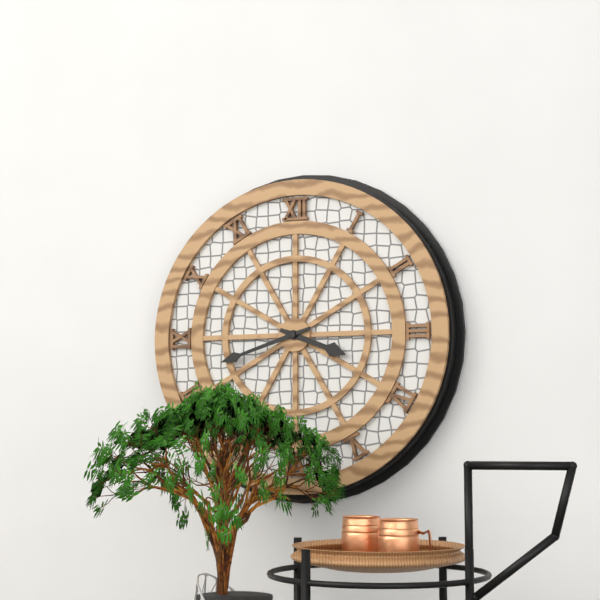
3:42
